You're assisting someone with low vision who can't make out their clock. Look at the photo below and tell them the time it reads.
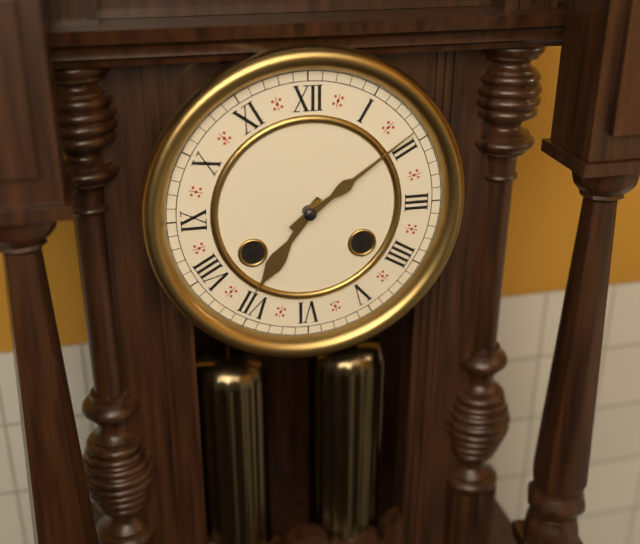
7:09
